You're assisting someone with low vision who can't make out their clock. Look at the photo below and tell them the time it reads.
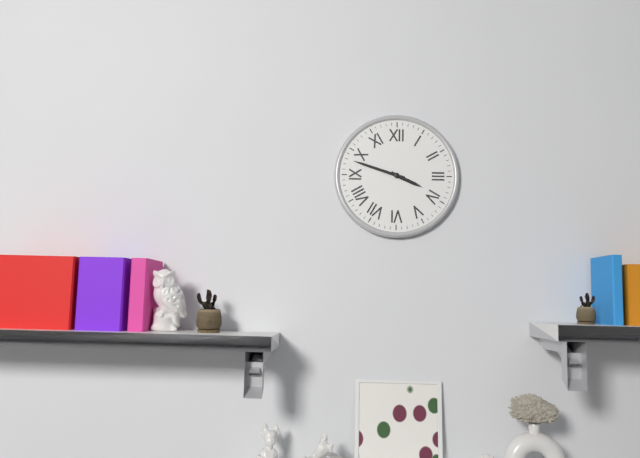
3:48
